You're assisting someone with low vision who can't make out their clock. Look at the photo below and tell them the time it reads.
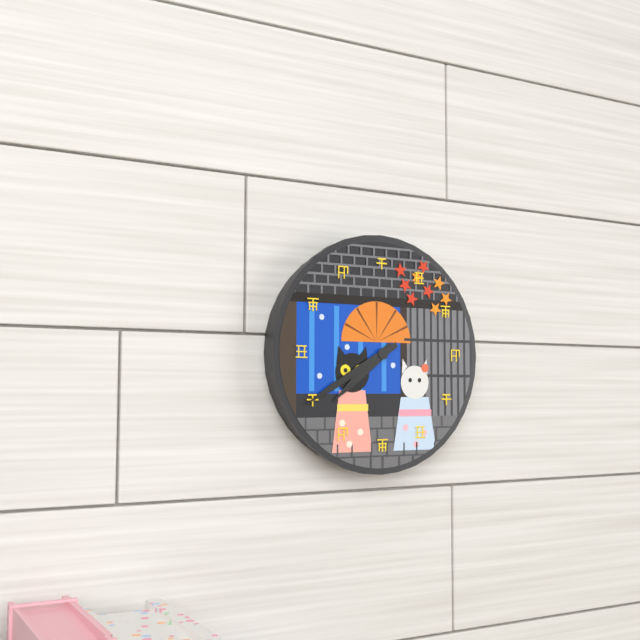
7:40
